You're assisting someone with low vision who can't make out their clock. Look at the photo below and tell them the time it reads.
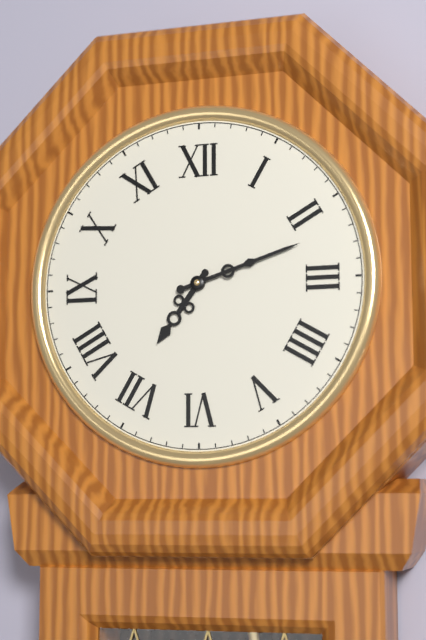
7:12
